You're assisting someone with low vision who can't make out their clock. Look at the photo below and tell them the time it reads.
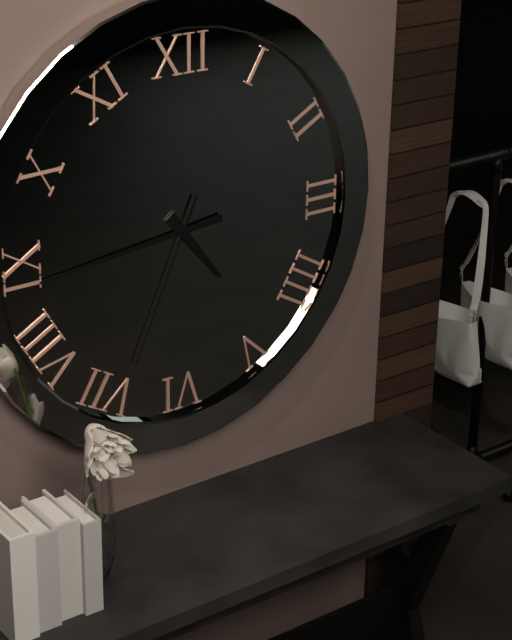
4:44:34
